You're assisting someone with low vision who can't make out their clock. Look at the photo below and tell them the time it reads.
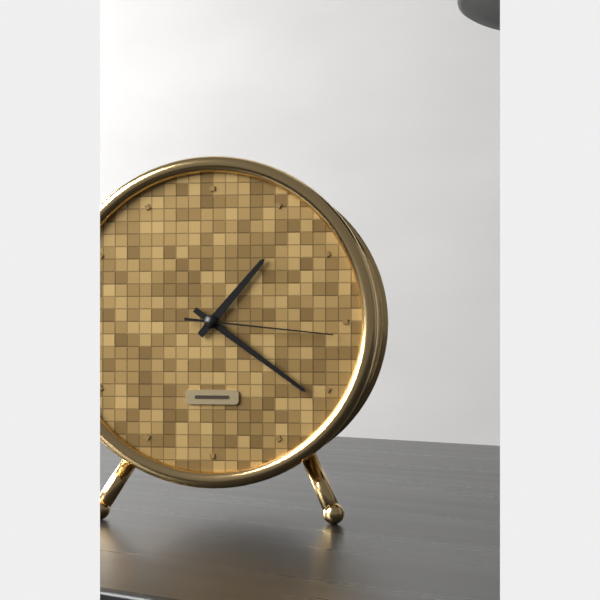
1:21:16
